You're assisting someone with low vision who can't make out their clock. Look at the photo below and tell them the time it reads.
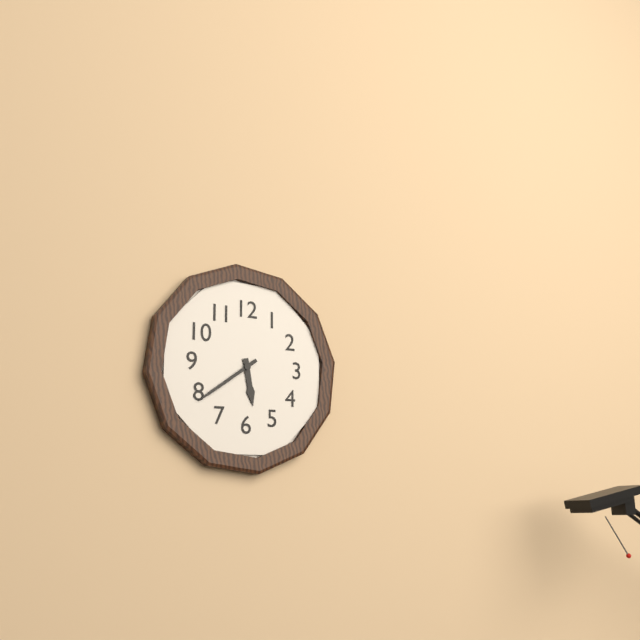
5:39
